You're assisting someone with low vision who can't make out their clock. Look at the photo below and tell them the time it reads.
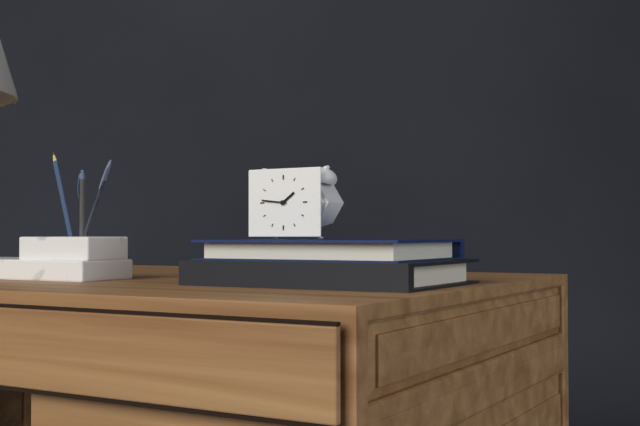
1:46
